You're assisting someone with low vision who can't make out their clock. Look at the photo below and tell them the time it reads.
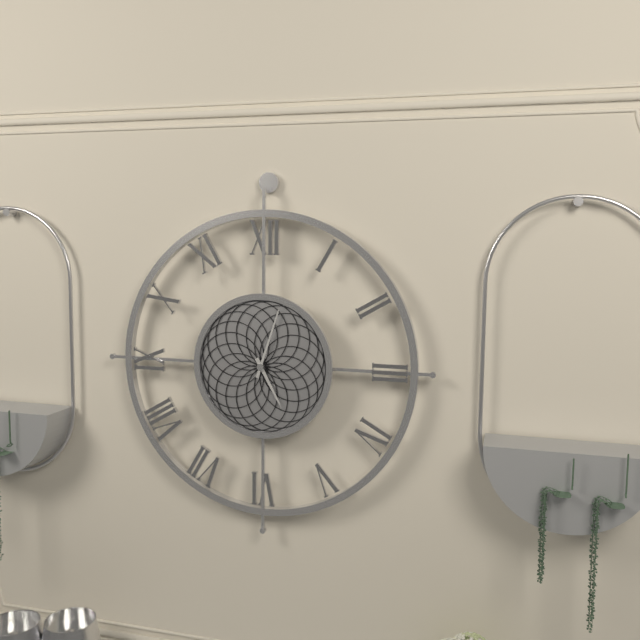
5:03
